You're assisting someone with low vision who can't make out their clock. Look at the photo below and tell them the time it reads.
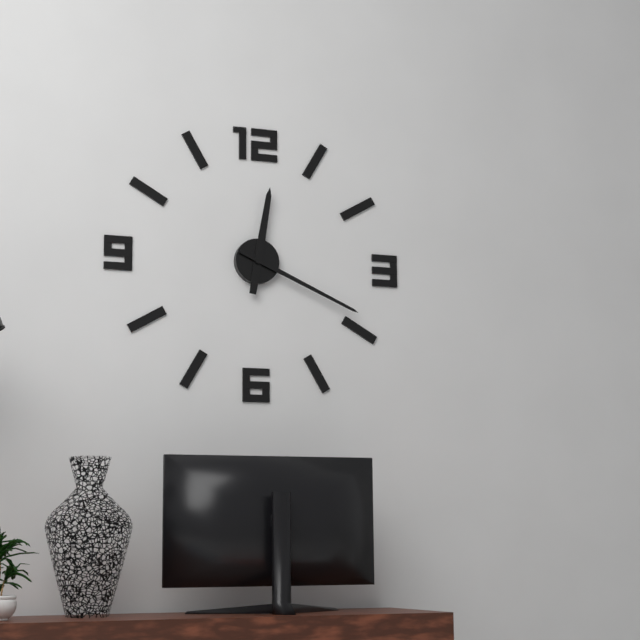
12:19
